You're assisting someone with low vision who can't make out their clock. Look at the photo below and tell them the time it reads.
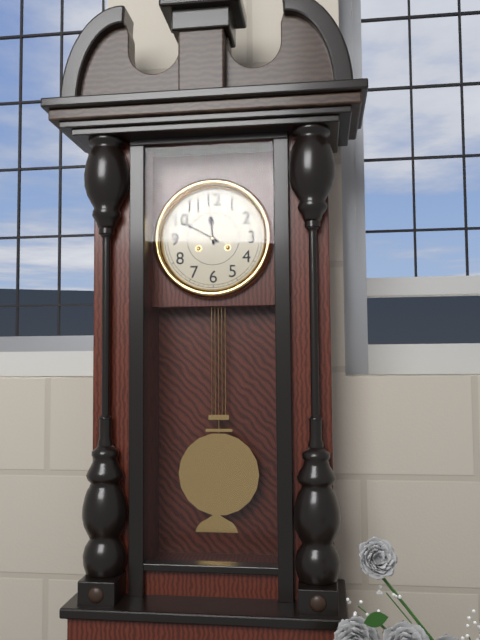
11:50
